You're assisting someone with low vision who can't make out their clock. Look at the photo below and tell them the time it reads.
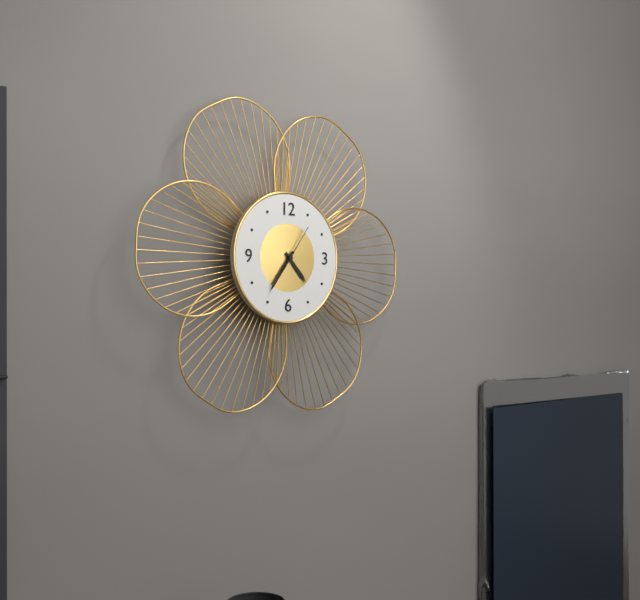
4:36
